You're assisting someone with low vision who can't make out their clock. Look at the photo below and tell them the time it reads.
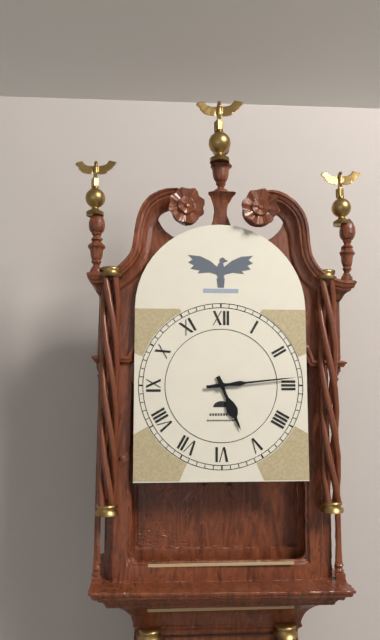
5:14
